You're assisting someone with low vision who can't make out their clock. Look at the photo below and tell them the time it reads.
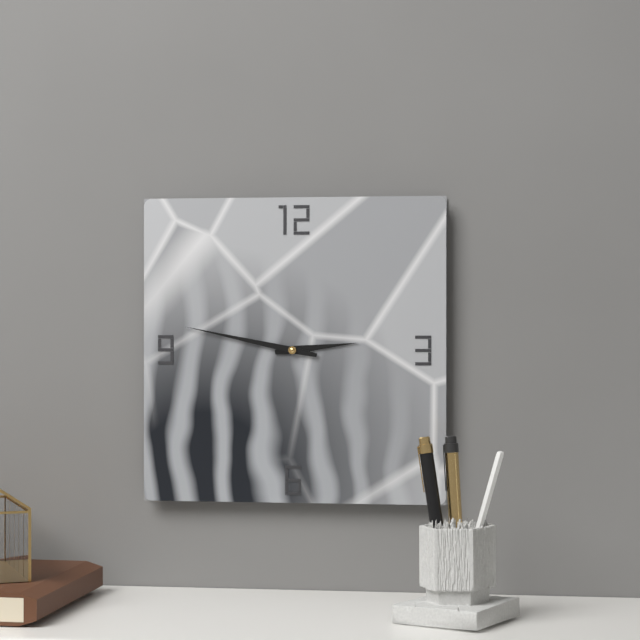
2:47
